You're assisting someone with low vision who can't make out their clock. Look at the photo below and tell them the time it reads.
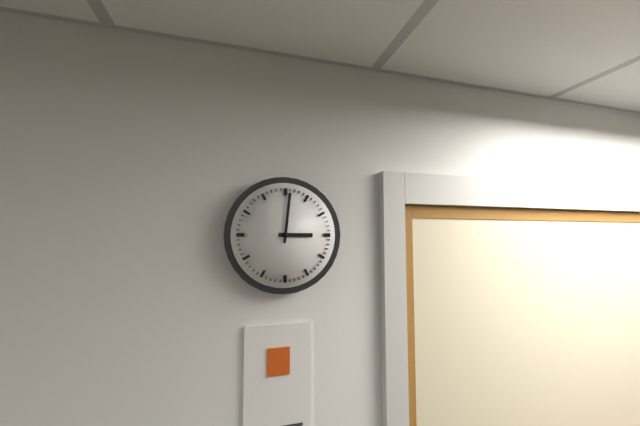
3:01
